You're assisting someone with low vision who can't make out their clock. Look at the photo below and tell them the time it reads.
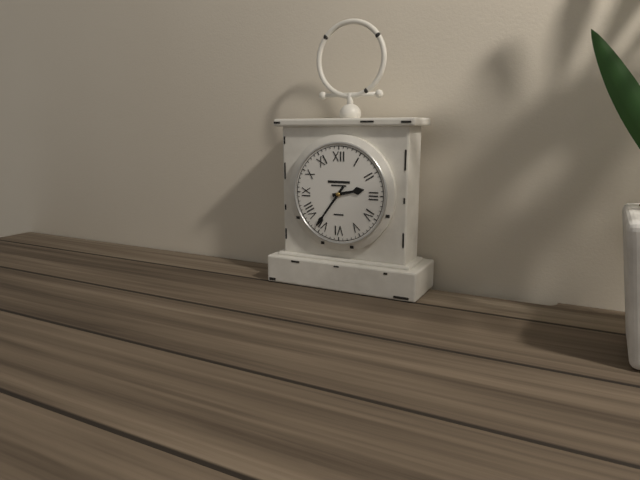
2:36
